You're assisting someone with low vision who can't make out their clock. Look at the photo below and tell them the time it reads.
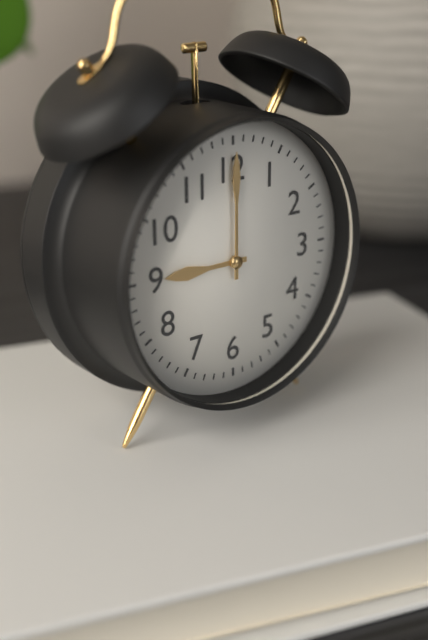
9:00
